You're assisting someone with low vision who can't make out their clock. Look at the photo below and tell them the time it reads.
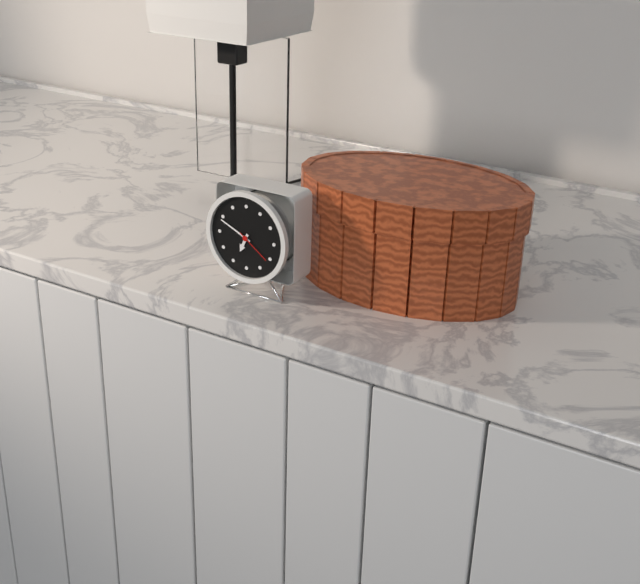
6:49
